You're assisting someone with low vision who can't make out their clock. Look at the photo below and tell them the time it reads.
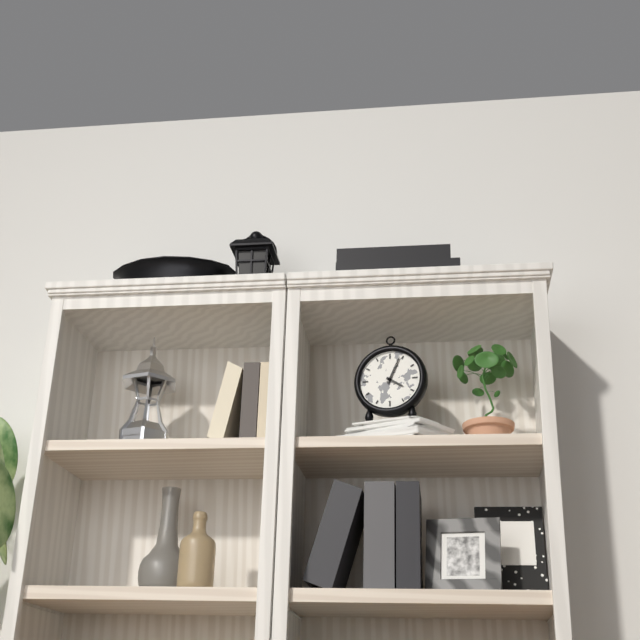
4:04
